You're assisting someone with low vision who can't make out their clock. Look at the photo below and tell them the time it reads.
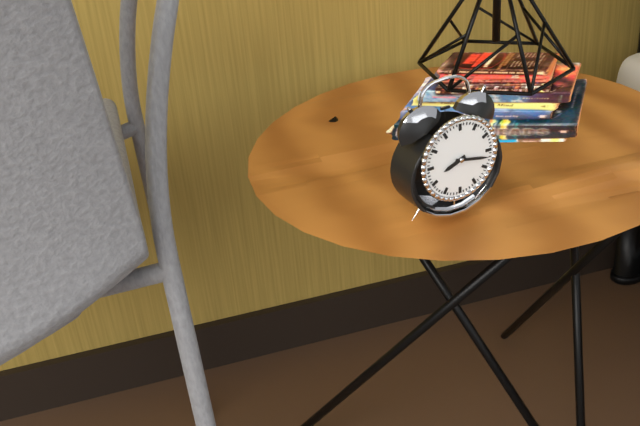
8:17
